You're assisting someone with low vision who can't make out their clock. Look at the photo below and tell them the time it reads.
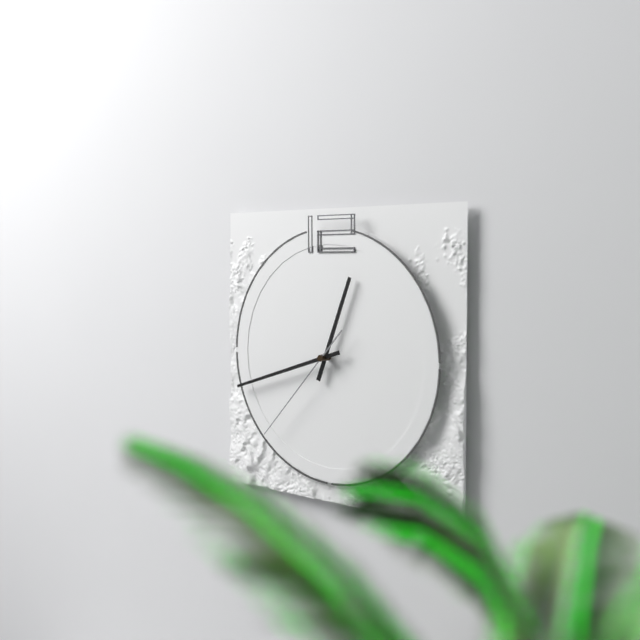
12:42:37
